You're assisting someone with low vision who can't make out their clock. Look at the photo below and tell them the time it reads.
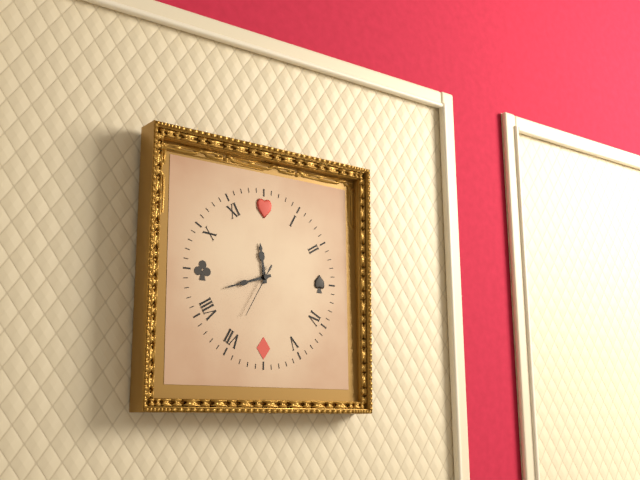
11:42:35
